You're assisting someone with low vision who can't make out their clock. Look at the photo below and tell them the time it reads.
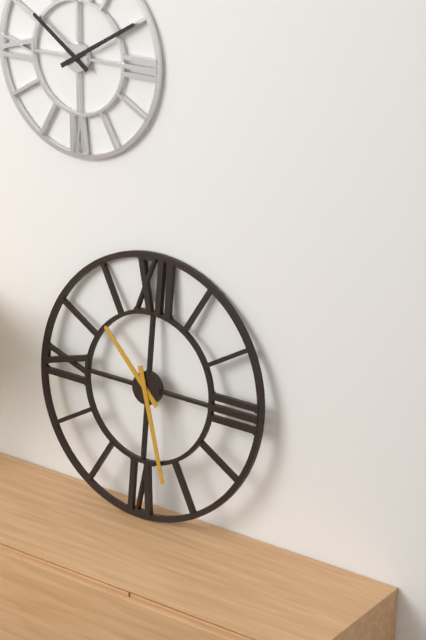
10:27
